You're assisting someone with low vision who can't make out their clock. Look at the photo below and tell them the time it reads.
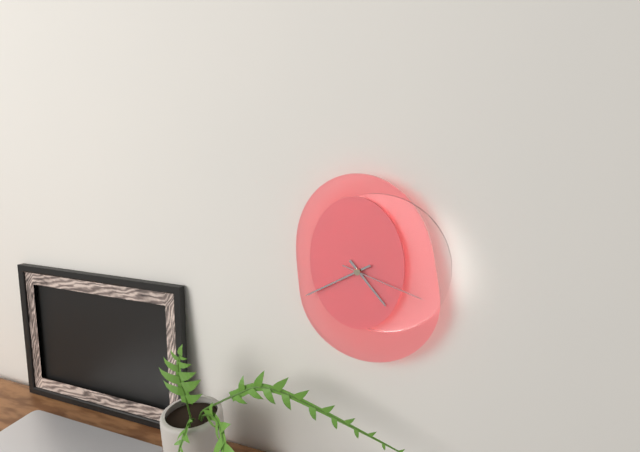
4:40:18
